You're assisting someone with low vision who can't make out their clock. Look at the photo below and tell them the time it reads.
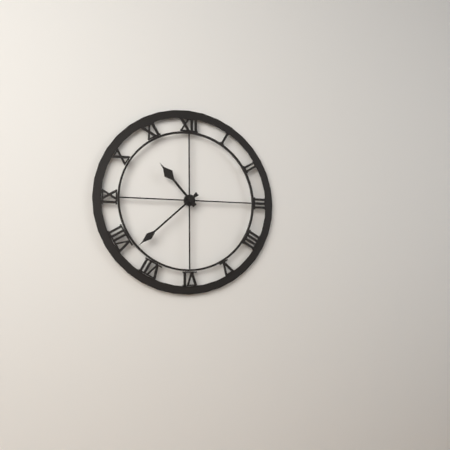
10:38
